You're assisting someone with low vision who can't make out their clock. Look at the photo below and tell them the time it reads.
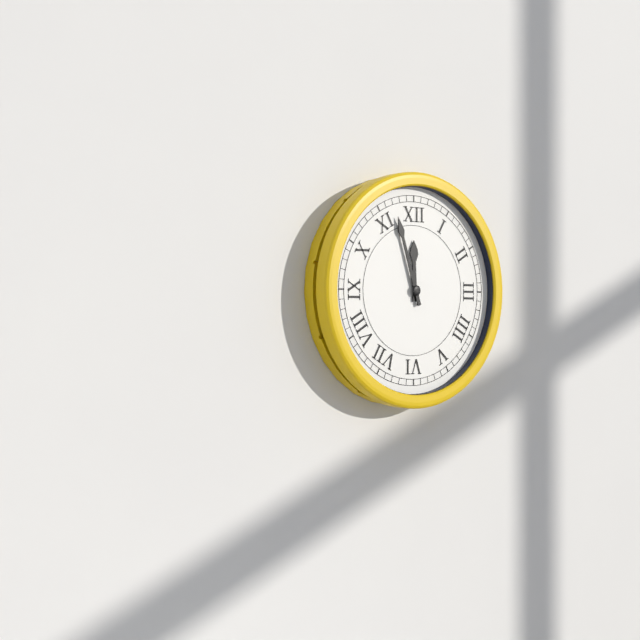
11:57
